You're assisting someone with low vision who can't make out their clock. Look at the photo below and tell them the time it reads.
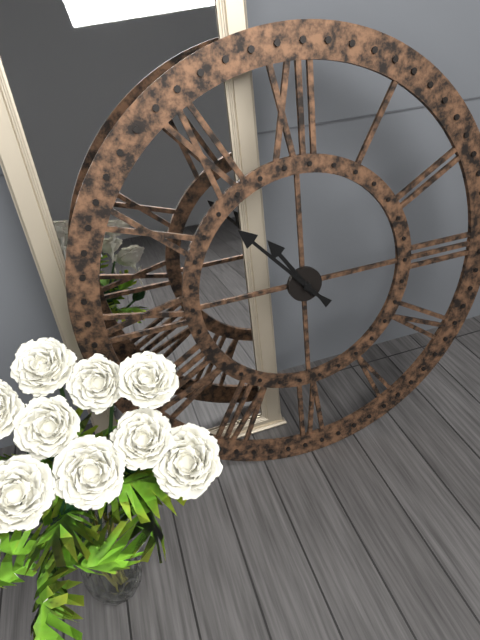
10:53
